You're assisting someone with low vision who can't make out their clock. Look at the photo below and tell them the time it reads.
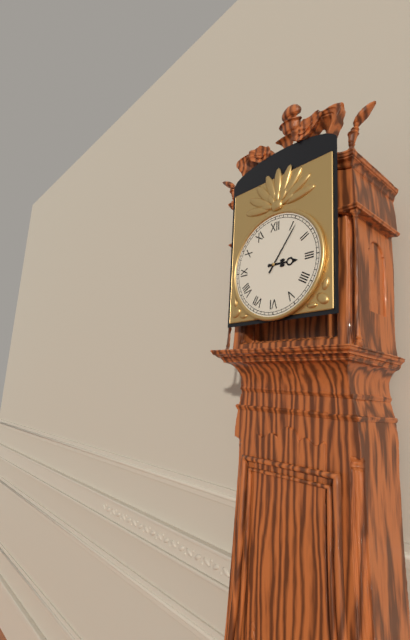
3:06
